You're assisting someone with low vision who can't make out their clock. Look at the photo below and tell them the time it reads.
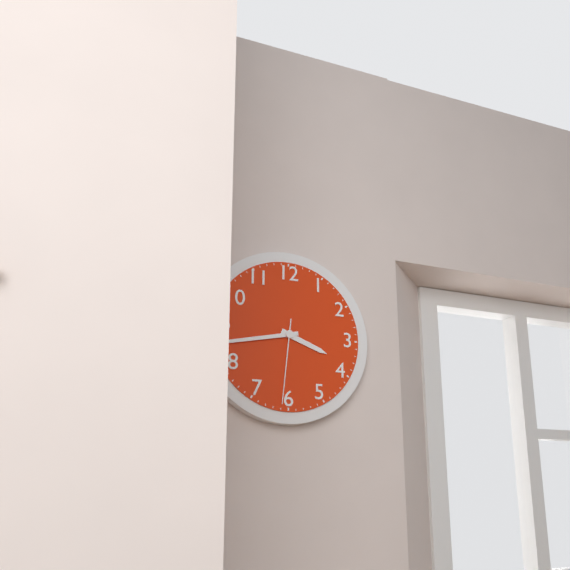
3:43:31
